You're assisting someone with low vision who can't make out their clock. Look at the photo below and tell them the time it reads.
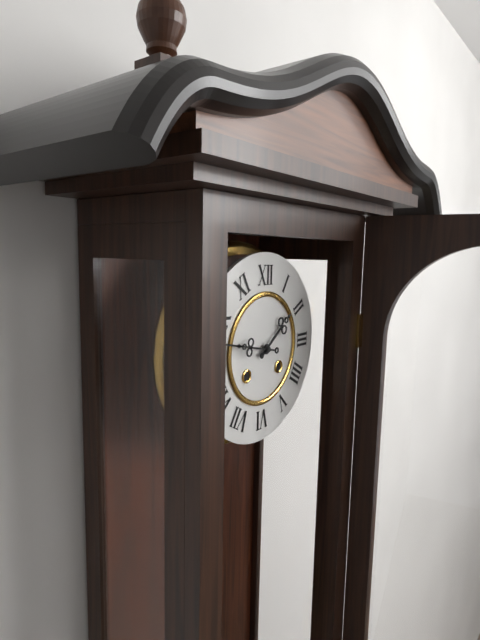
1:47
